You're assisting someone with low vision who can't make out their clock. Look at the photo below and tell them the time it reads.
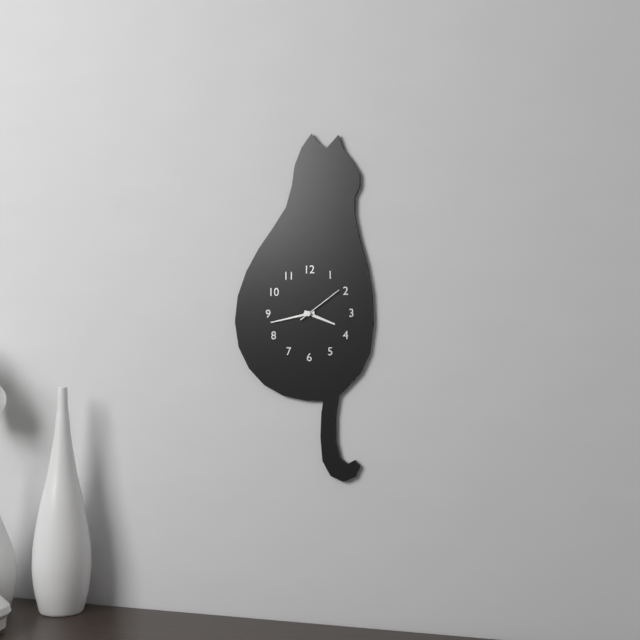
3:43
